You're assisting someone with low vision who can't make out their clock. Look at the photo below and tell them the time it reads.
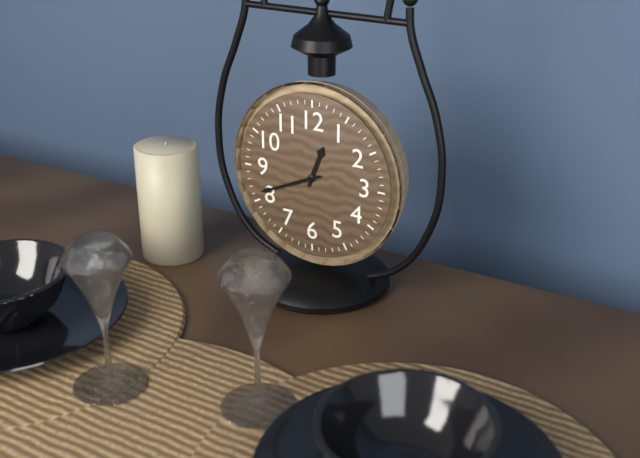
12:41
